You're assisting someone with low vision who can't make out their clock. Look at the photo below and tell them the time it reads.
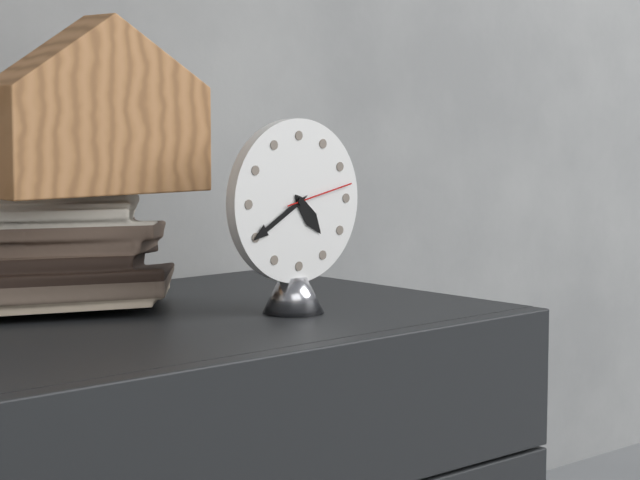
4:40:13
